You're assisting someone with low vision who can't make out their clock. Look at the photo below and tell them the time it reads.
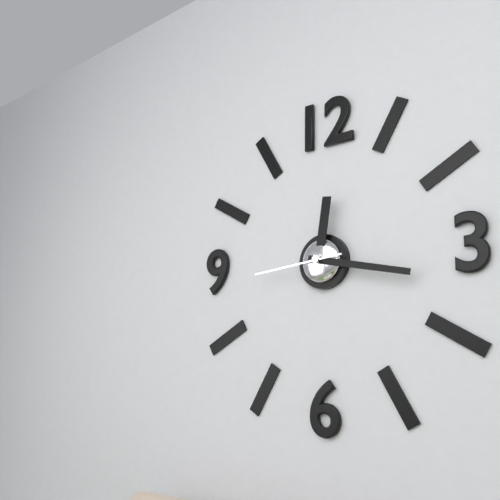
12:17:44
